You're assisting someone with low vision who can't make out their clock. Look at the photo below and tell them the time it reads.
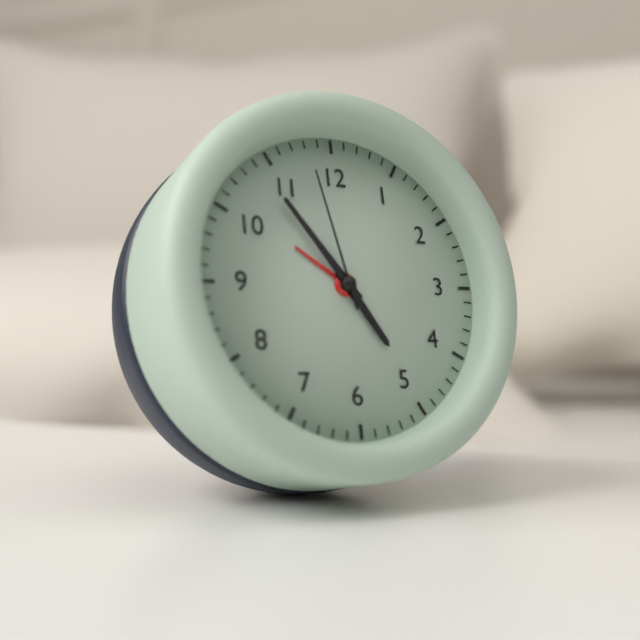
4:54:58
